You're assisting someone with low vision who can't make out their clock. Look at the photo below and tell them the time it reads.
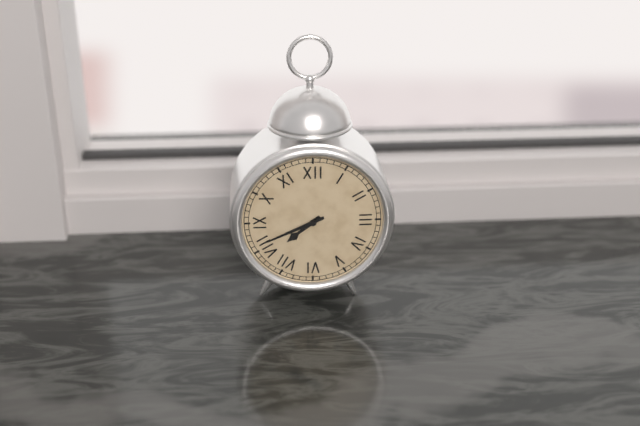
7:41
